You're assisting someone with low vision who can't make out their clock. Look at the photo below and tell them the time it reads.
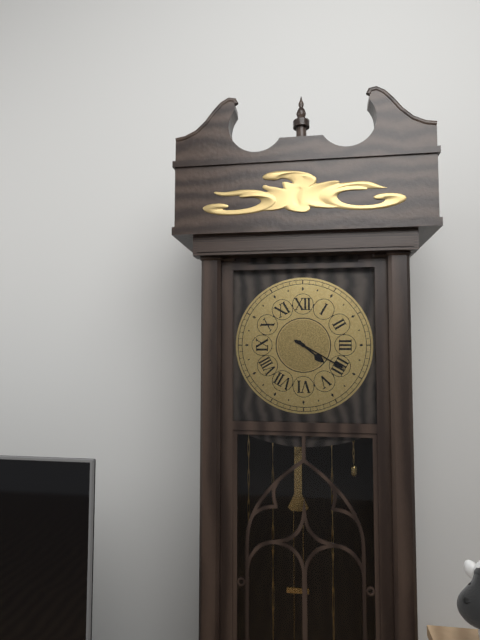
4:20
